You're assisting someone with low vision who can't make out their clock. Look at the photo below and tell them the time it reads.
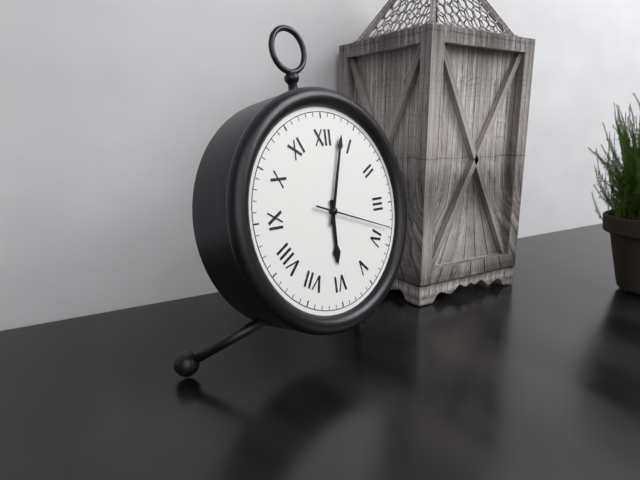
6:03:18
